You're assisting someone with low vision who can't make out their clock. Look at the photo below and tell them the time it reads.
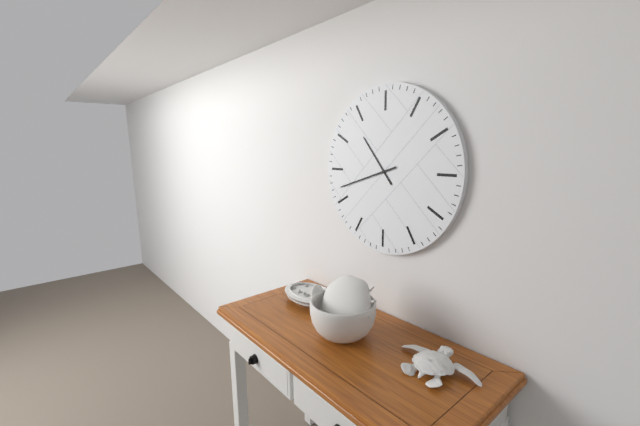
10:42
